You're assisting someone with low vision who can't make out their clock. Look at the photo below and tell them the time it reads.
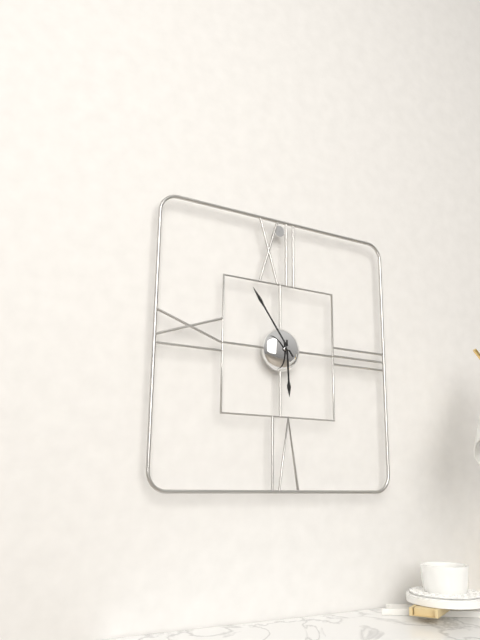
5:54
